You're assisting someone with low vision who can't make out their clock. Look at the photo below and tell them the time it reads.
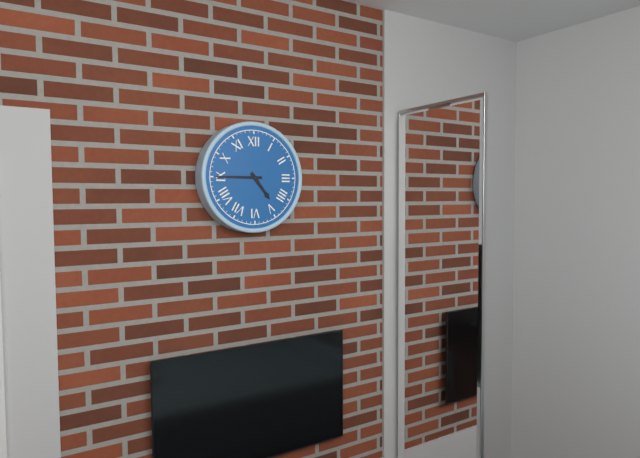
4:45
